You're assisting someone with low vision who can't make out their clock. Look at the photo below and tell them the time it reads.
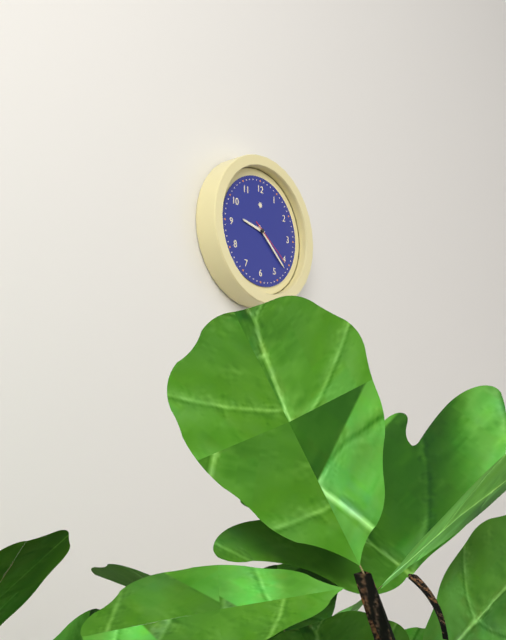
9:22:21
